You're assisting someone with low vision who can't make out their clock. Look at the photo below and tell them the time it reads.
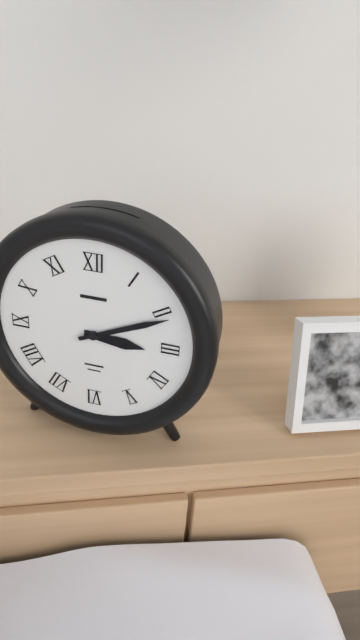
3:11
